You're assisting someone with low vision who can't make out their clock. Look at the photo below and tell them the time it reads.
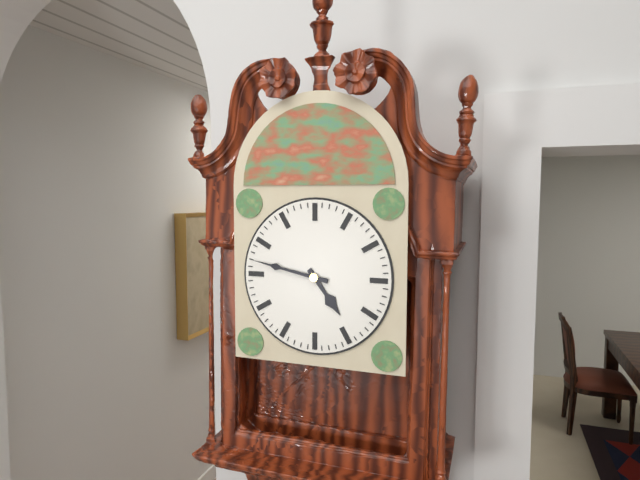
4:47
